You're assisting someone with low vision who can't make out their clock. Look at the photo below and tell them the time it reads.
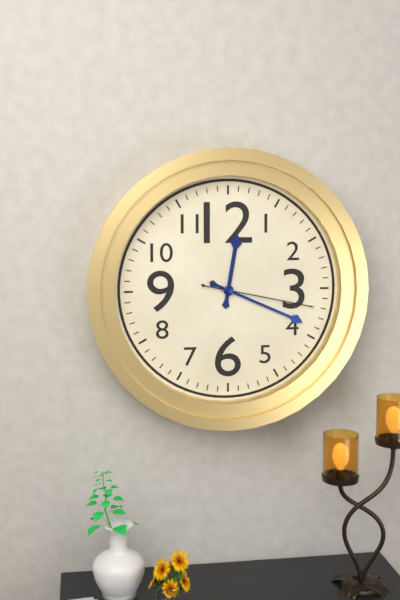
12:19:17
